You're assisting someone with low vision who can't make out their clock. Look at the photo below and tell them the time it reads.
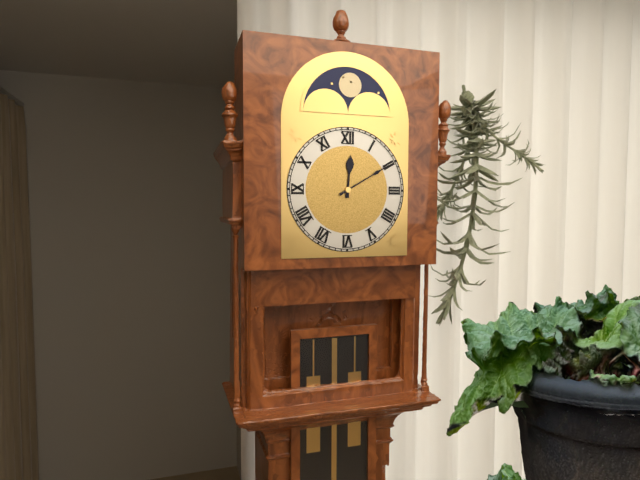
12:10
